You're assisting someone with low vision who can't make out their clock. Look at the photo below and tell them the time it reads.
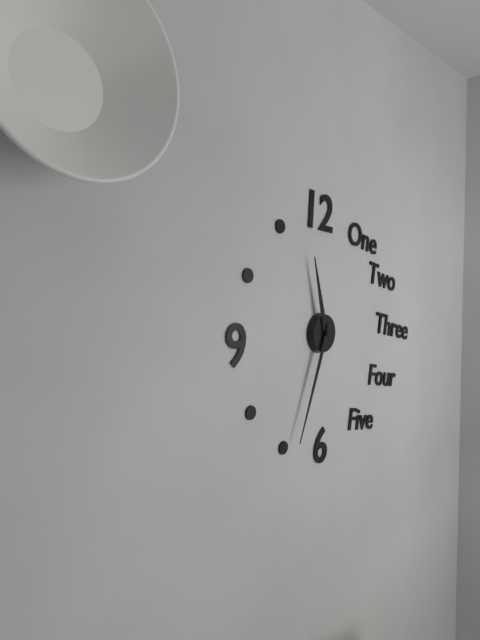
11:34
